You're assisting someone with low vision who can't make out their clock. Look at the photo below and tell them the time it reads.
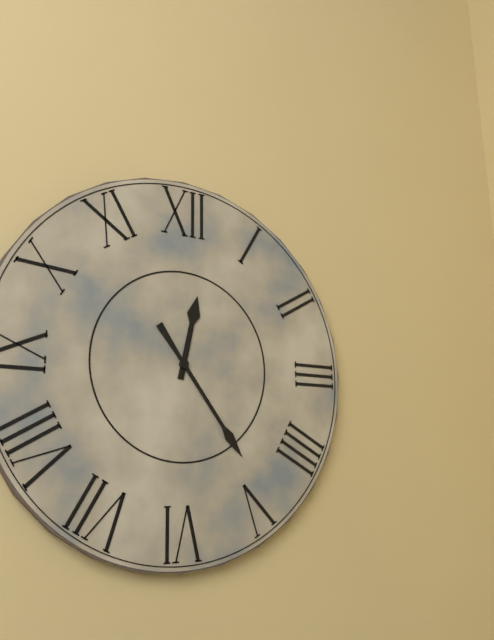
12:24
